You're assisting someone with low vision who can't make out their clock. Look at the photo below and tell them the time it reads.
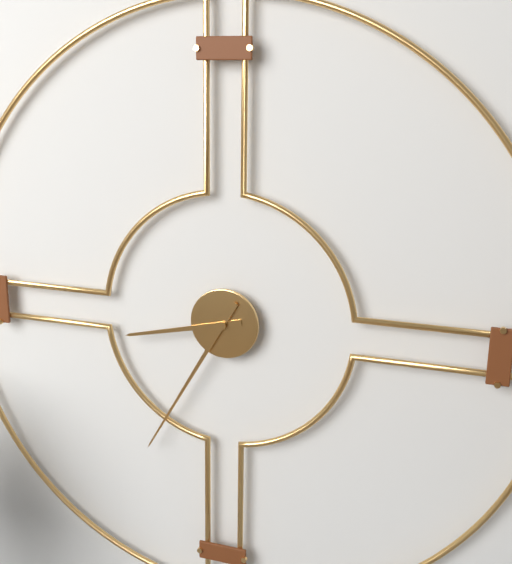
8:35
